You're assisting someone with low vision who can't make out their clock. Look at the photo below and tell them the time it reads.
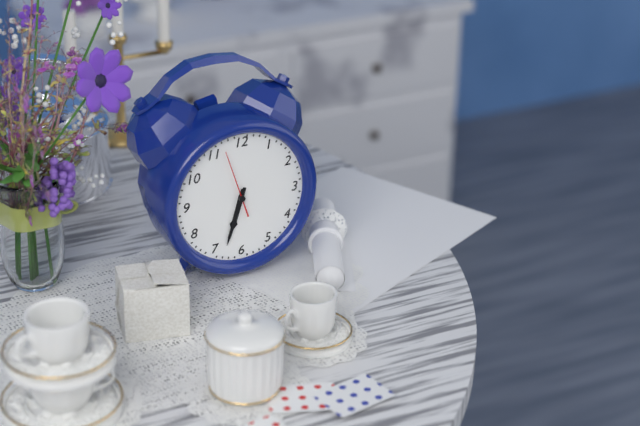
6:33:57
